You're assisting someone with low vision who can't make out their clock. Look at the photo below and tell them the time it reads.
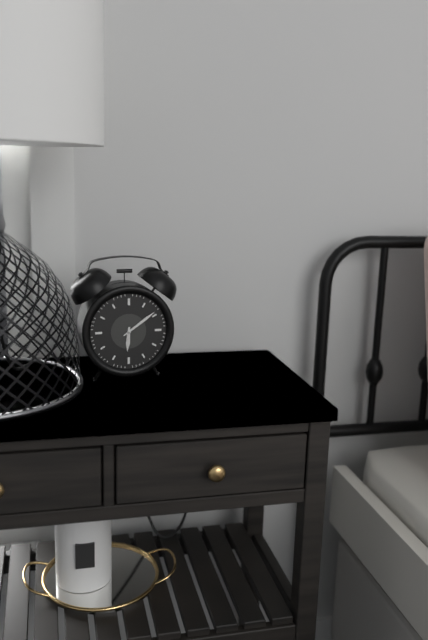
6:09
